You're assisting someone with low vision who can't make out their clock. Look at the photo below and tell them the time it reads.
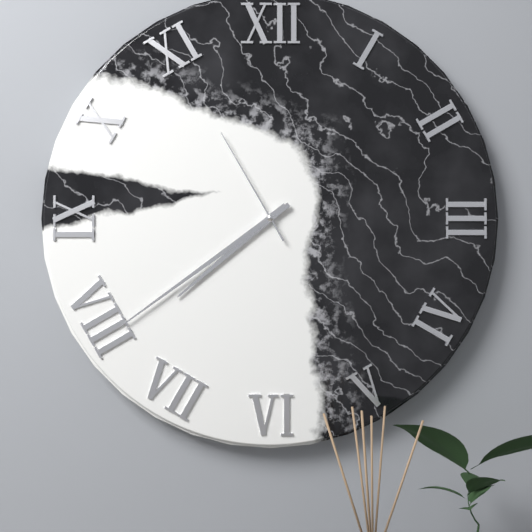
7:39:55
